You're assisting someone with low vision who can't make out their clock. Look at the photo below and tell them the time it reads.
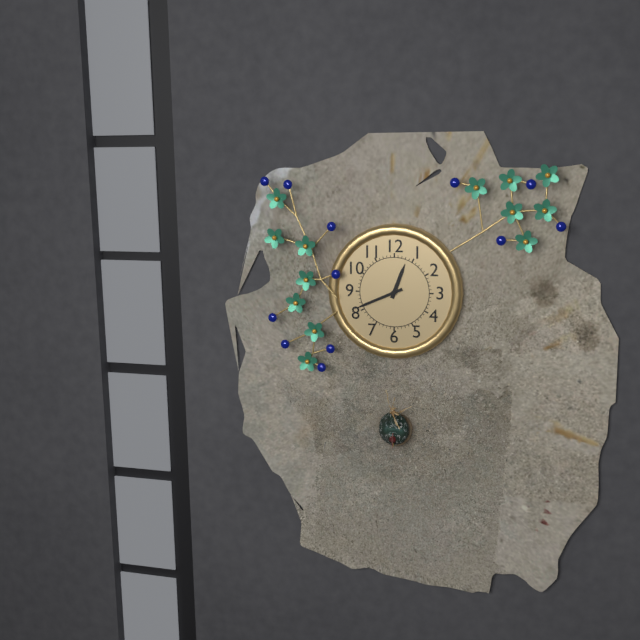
12:41
